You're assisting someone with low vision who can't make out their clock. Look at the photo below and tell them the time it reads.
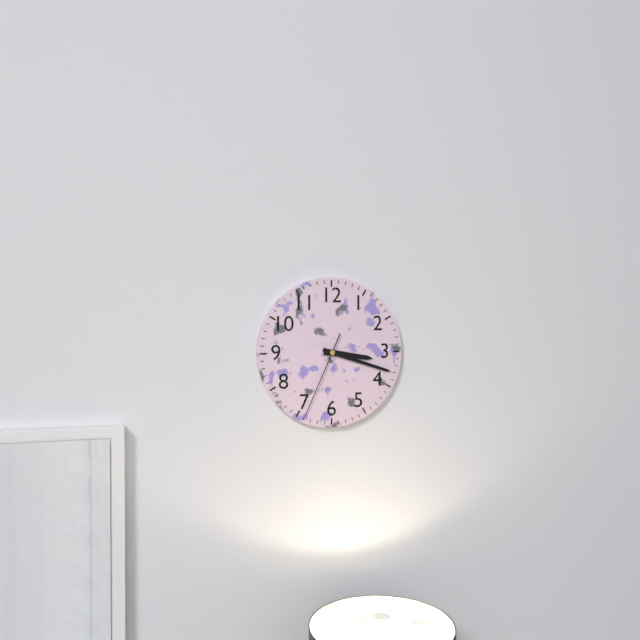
3:18:34
